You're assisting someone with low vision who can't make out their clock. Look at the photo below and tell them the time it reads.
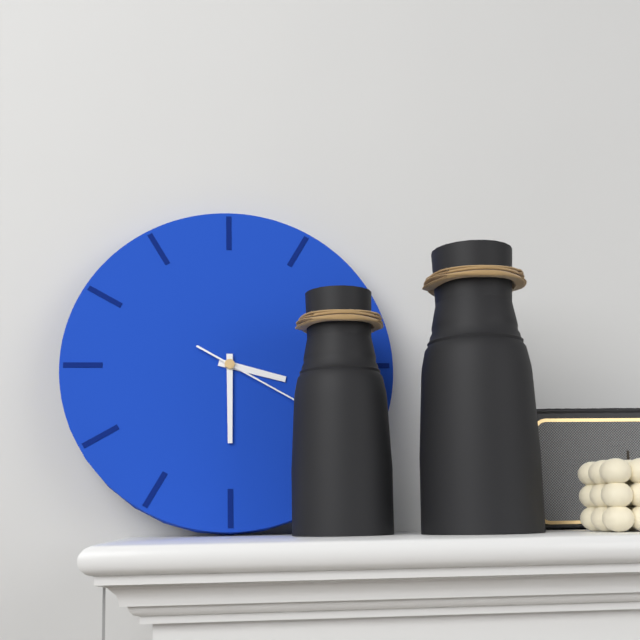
3:30:20
